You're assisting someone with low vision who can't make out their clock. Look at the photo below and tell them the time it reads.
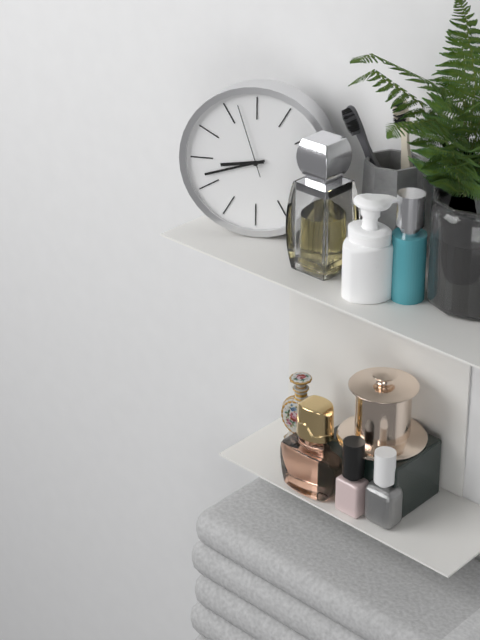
8:42:57
